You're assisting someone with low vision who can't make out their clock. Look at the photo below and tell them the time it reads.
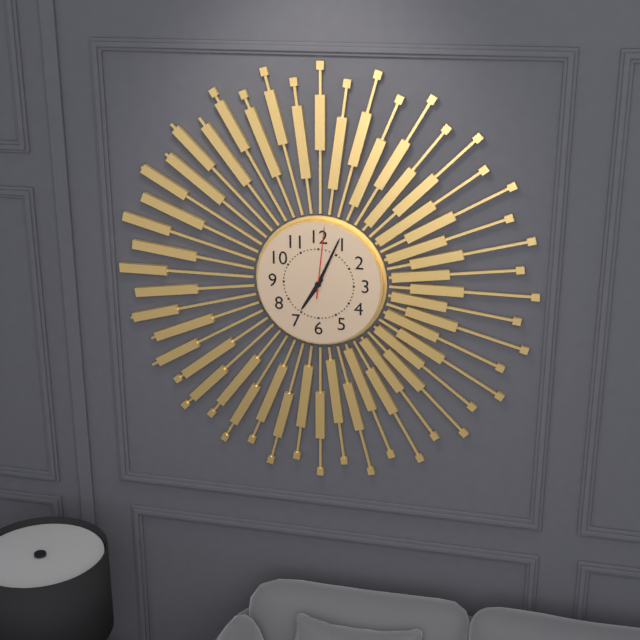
7:04:01
